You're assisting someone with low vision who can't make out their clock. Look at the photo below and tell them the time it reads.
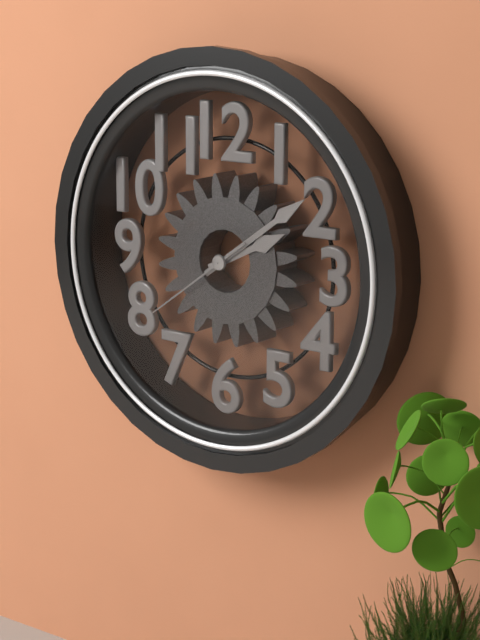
2:09:39
